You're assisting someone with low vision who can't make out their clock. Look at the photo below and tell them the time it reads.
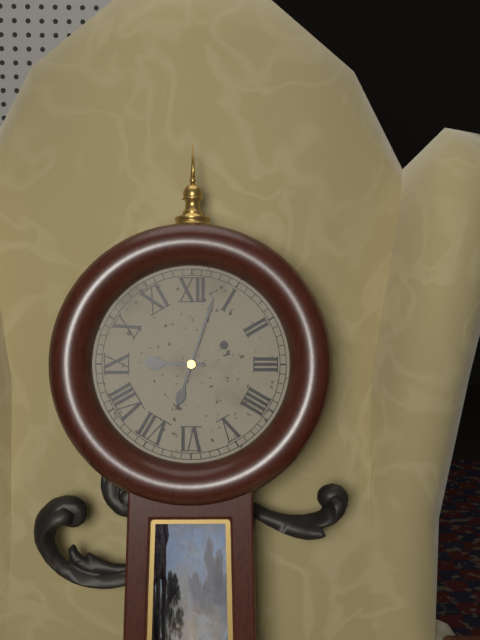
9:03
